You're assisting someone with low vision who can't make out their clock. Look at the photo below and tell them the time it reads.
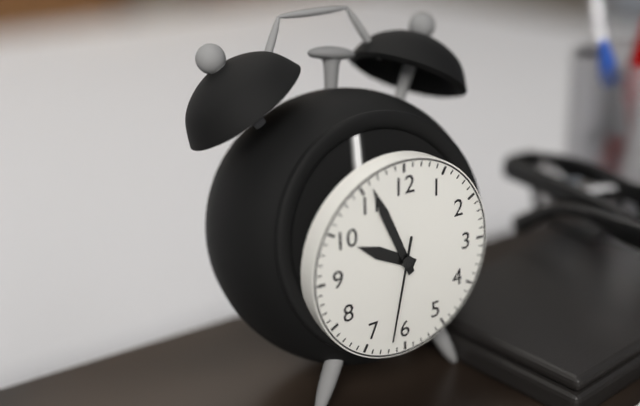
9:56:32
